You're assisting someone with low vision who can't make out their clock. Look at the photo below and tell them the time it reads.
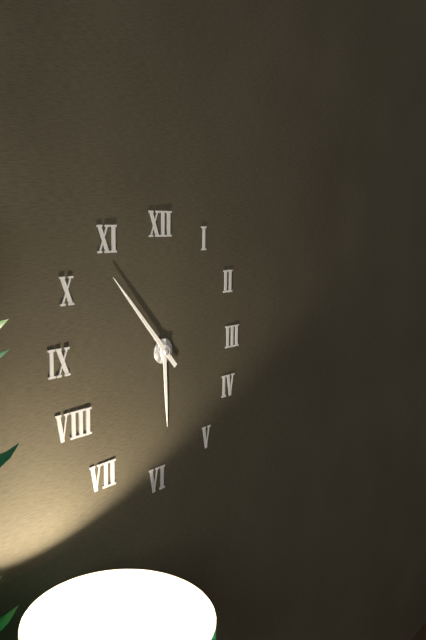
5:53
